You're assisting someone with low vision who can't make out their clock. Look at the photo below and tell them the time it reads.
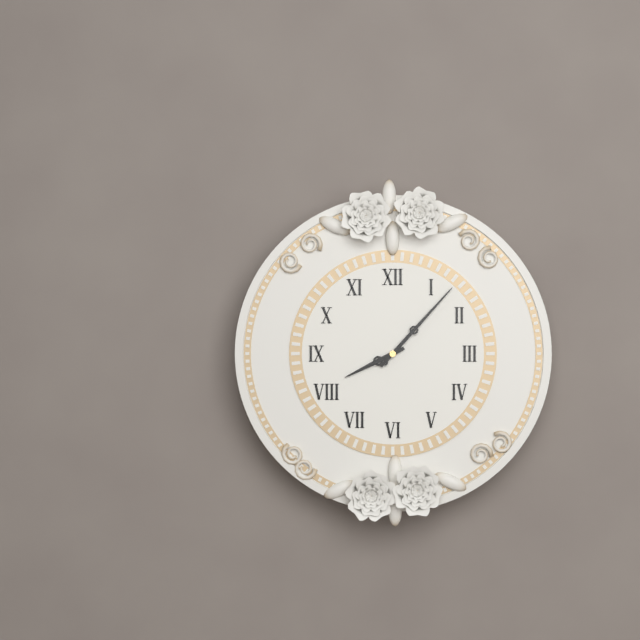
8:07
